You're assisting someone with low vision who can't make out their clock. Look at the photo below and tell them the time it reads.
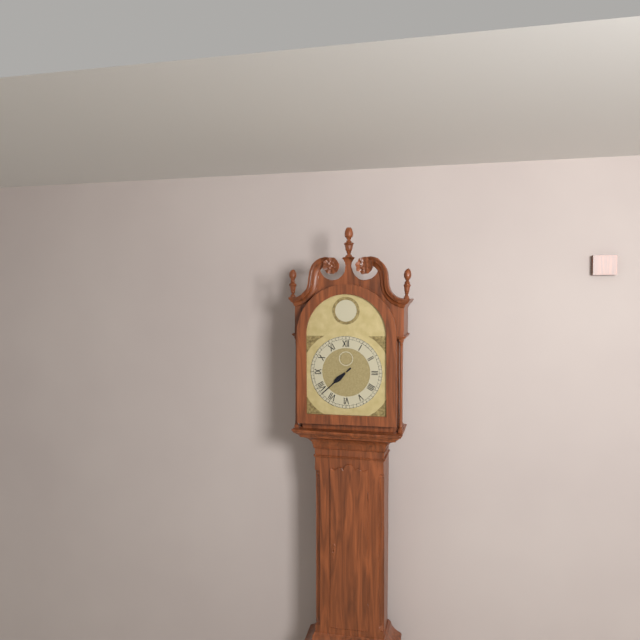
7:38
